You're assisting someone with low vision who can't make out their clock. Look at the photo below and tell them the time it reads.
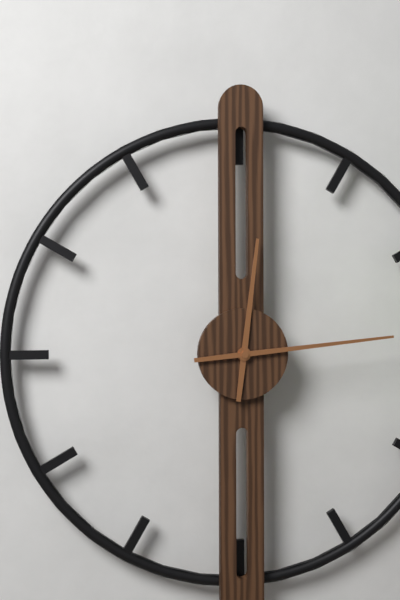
12:14
